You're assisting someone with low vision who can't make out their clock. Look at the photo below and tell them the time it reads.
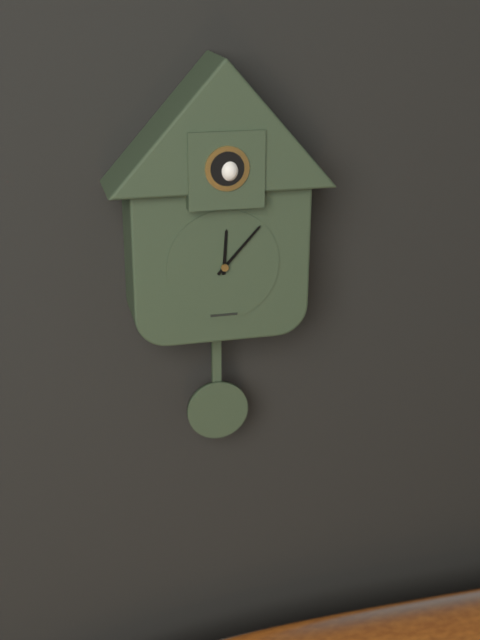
12:07
